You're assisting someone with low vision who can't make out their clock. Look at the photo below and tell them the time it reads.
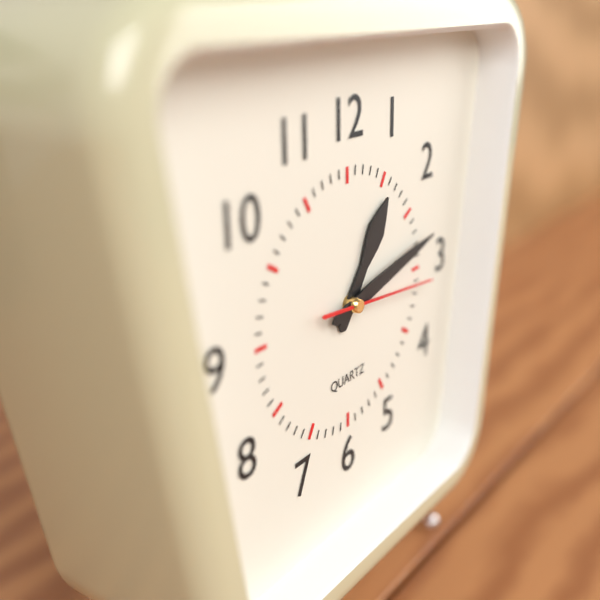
1:13:16
